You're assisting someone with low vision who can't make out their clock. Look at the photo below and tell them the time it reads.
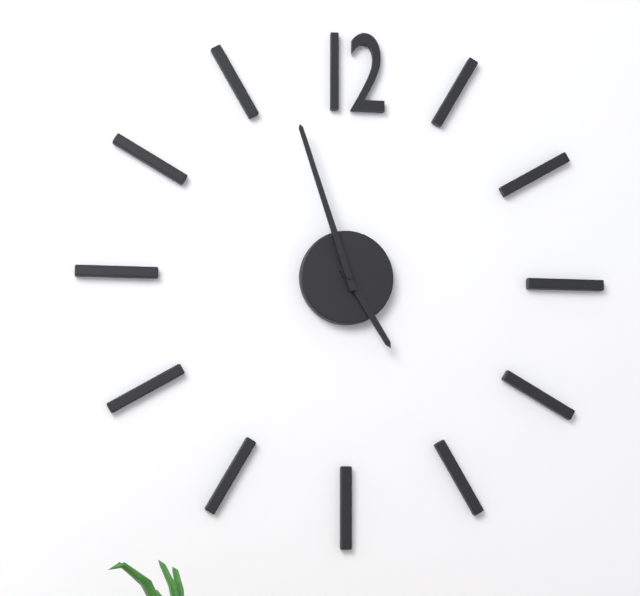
4:57
